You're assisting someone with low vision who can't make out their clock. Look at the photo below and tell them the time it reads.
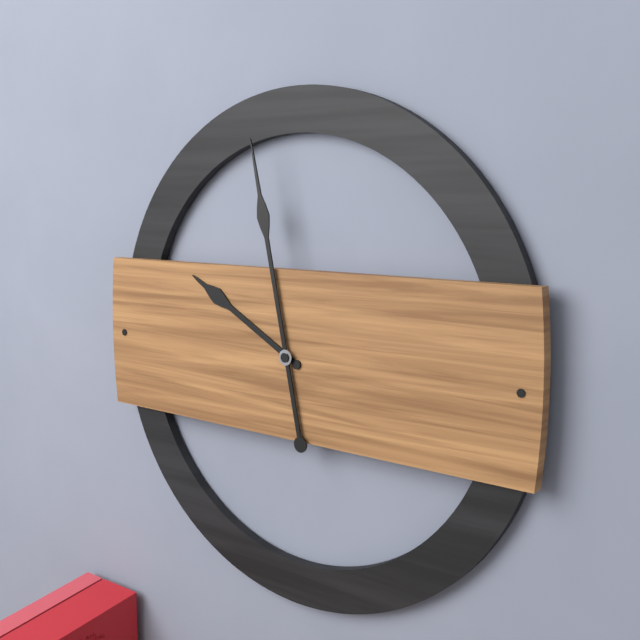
9:58
